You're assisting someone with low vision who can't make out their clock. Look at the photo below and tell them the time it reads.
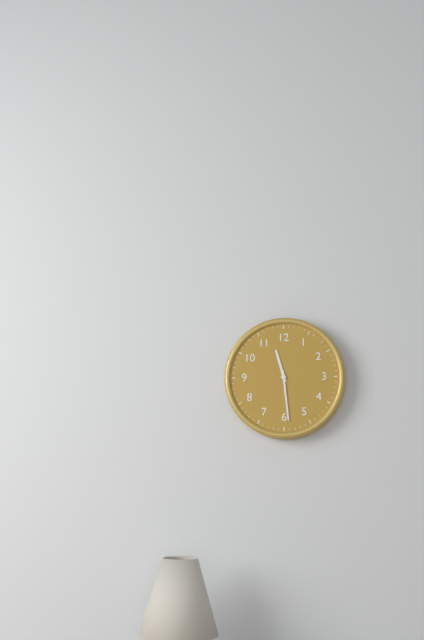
11:29
